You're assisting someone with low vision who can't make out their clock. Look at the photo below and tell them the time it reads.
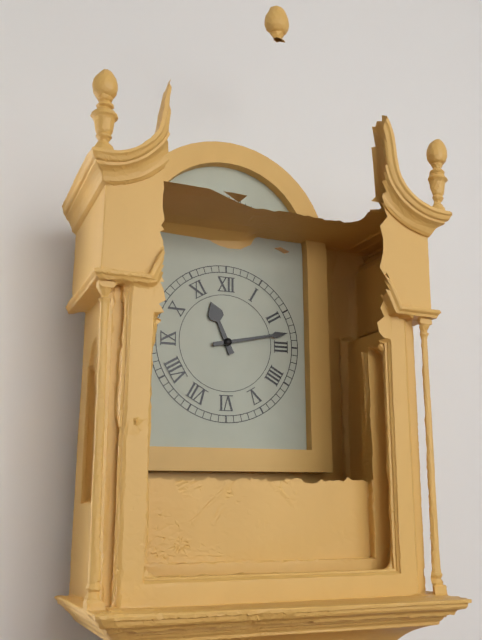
11:13
